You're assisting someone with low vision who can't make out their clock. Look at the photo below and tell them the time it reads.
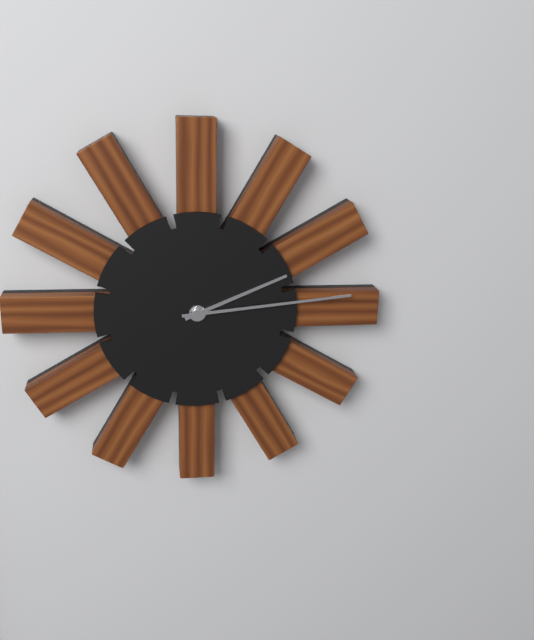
2:14
